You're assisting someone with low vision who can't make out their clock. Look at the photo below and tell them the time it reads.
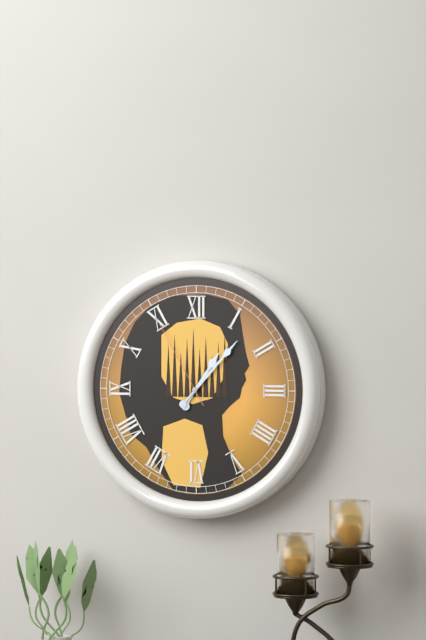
1:07:55
